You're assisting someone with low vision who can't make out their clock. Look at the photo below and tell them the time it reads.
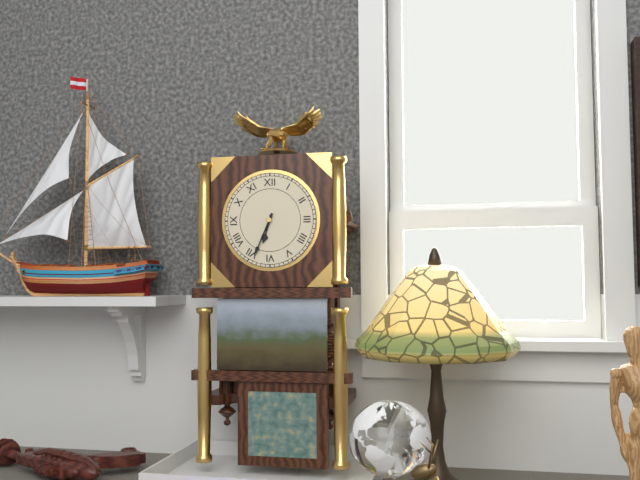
6:34
